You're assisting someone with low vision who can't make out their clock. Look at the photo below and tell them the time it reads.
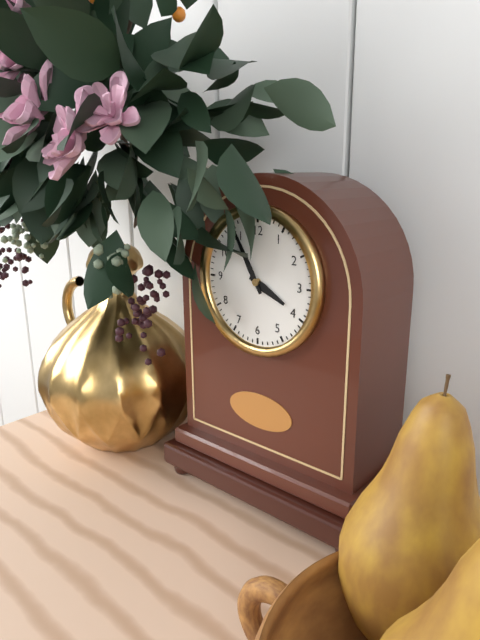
3:55
